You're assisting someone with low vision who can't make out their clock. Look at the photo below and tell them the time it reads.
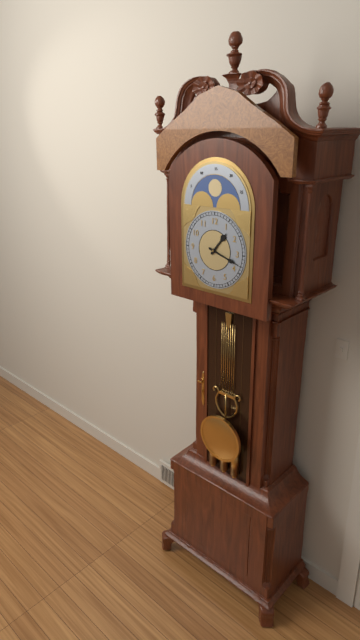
1:18
